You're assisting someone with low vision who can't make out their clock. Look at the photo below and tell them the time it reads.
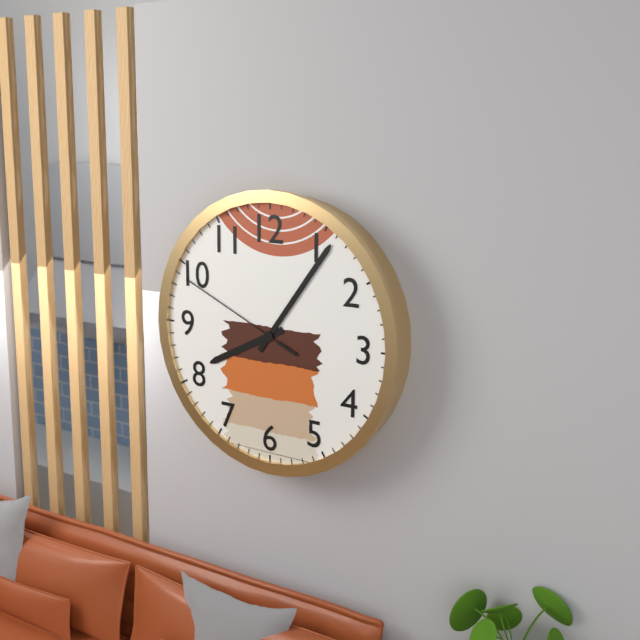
8:06:49
